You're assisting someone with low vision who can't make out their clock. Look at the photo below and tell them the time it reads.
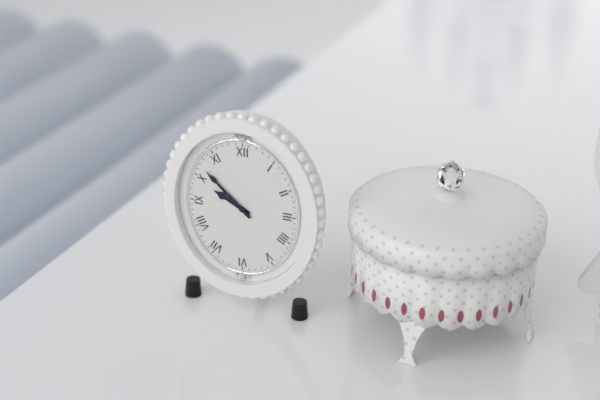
9:52
